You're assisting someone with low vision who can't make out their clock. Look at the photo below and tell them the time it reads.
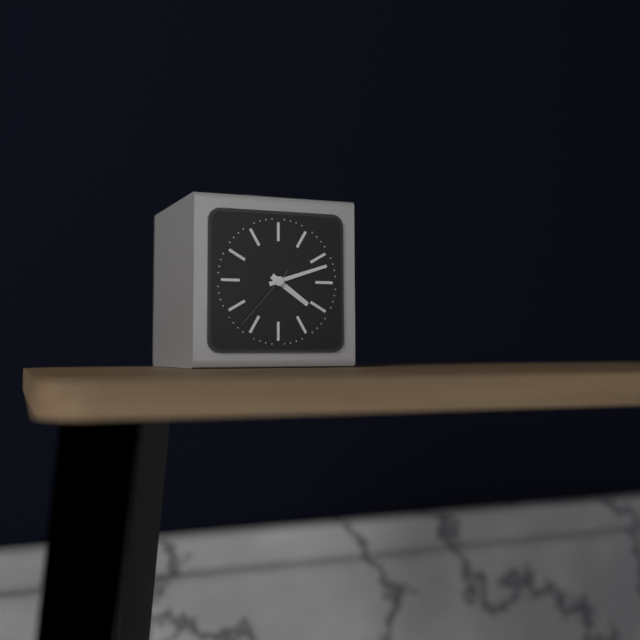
4:12:37
